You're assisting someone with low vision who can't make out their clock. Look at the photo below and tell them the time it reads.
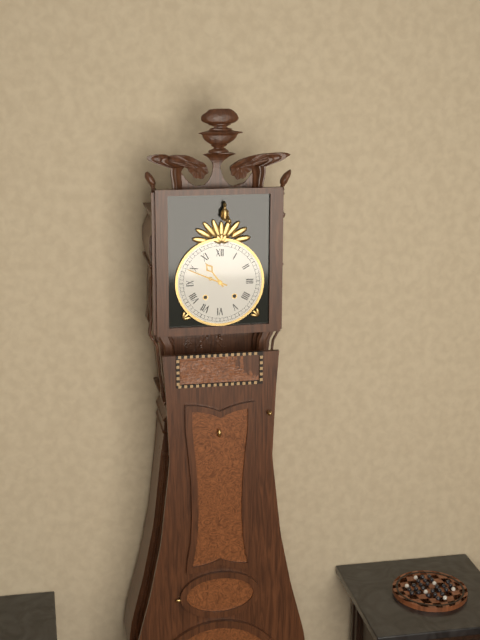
10:49
